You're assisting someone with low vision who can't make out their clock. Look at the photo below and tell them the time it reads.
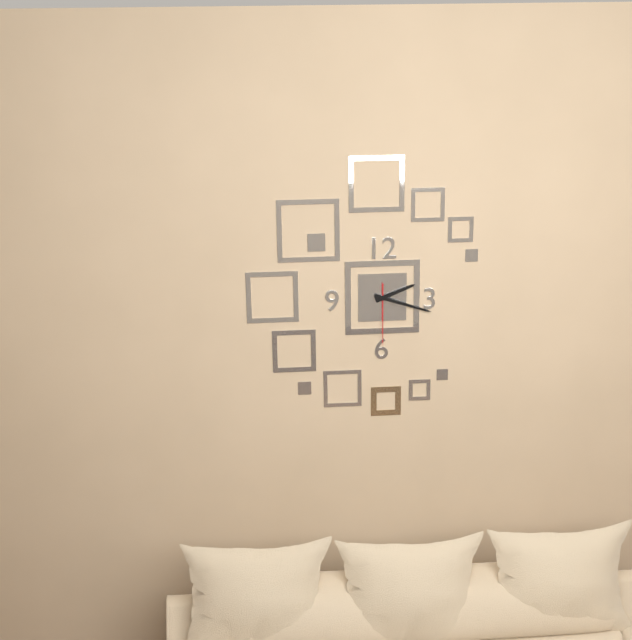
2:18:30
